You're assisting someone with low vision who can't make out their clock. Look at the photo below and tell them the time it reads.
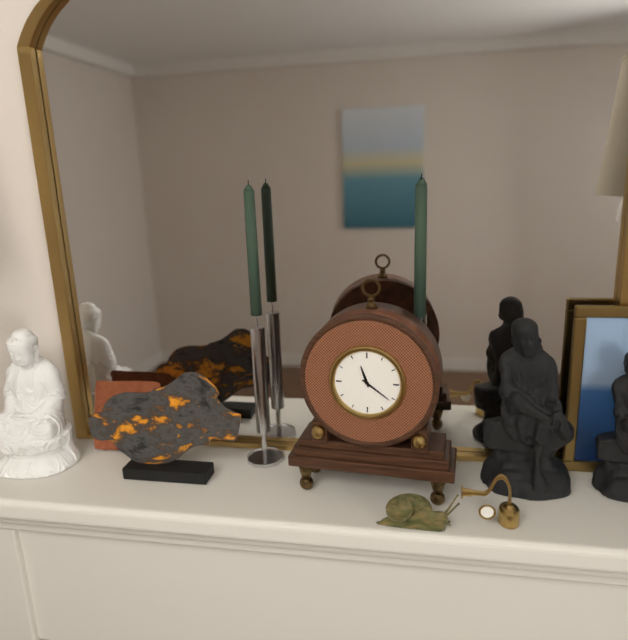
11:21
